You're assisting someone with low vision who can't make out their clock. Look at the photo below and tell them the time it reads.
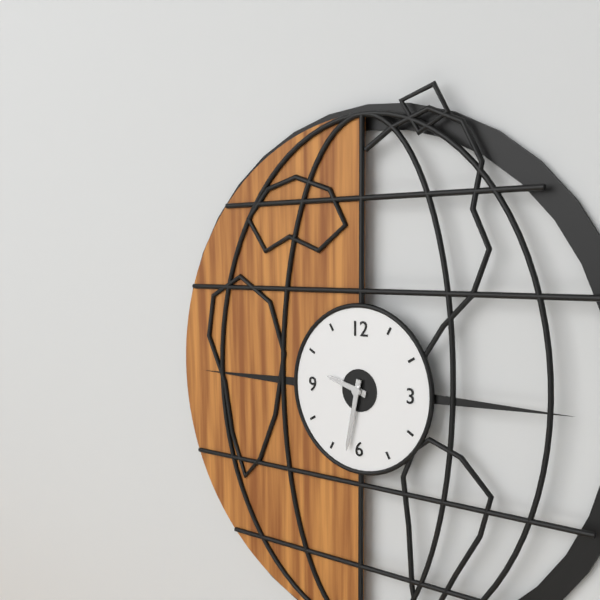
9:32
